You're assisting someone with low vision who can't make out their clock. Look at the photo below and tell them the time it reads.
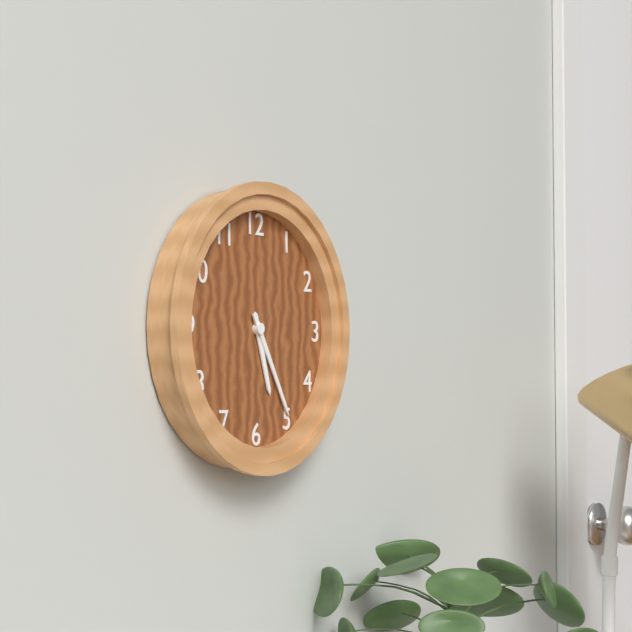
5:25
